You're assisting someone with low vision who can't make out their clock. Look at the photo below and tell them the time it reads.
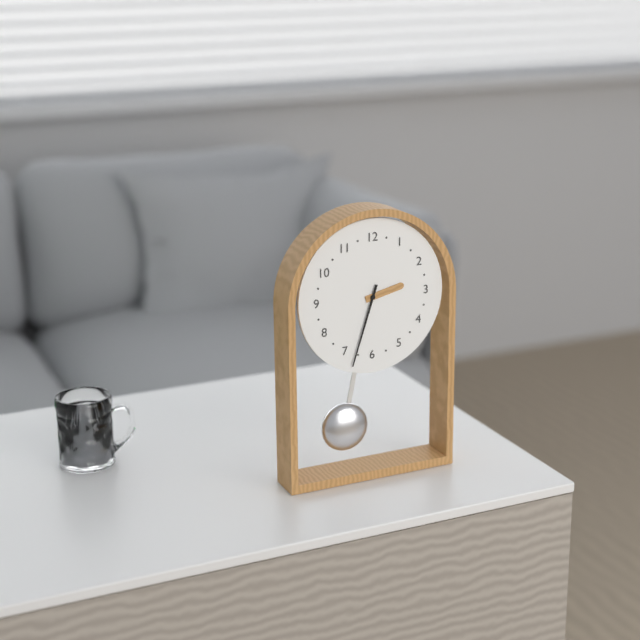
2:33
